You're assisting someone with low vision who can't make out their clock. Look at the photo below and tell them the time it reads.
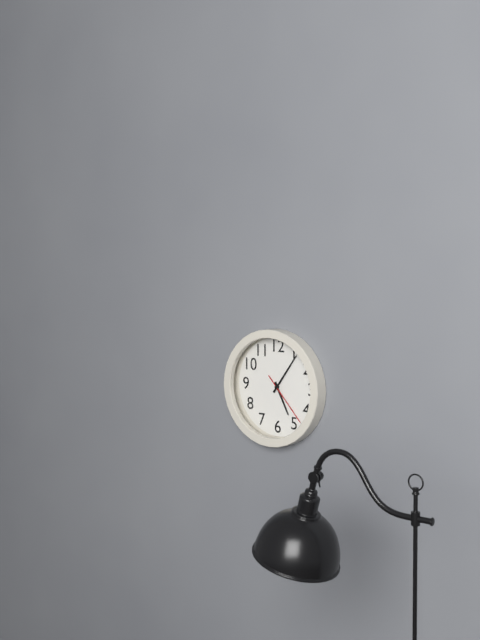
5:06:23
